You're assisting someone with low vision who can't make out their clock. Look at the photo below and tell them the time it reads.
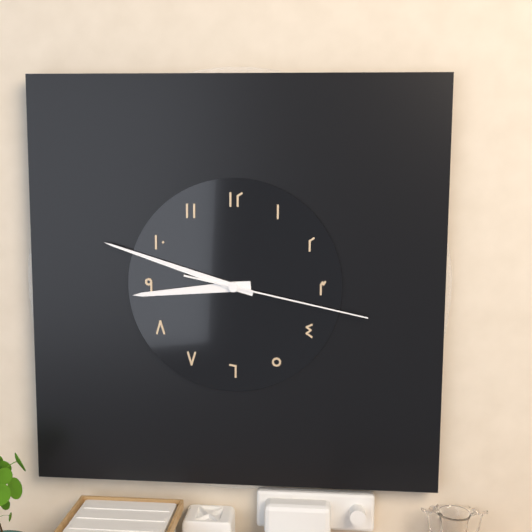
8:48:17
